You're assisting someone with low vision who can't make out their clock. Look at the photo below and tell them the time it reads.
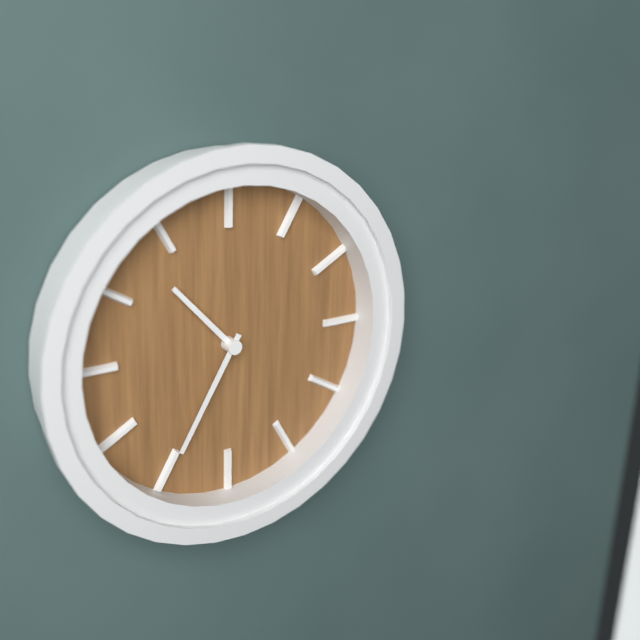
10:35
